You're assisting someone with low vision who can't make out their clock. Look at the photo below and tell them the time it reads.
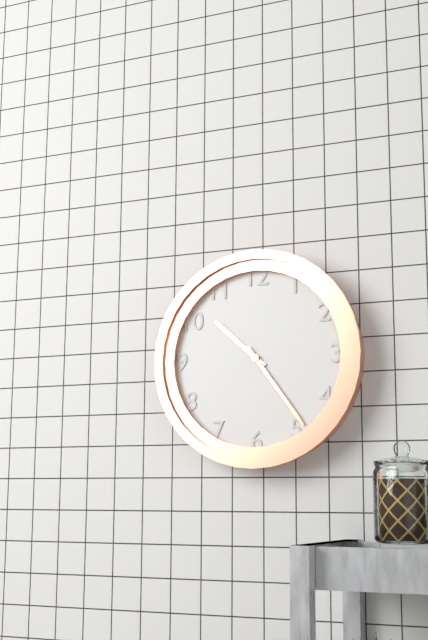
10:24
